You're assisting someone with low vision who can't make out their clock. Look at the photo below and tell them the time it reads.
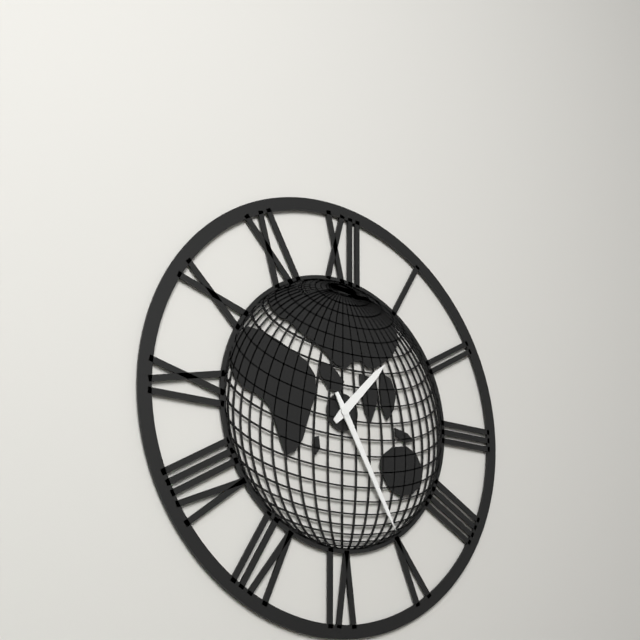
1:25
